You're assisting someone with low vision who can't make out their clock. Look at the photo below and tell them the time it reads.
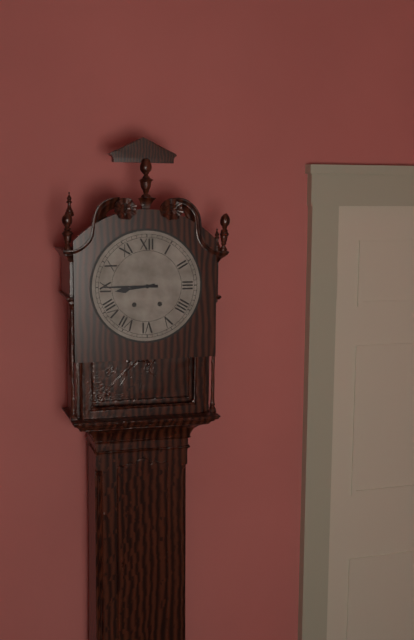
8:45
